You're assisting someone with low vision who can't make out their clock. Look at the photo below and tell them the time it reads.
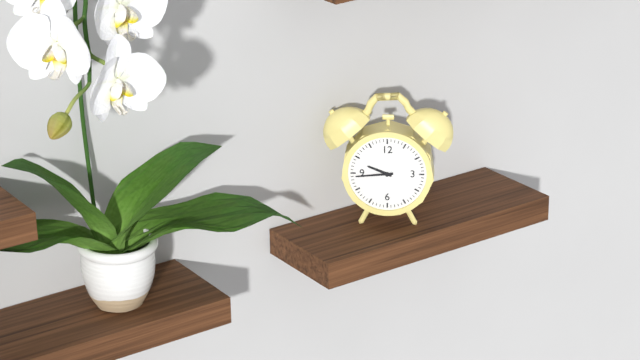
9:44
